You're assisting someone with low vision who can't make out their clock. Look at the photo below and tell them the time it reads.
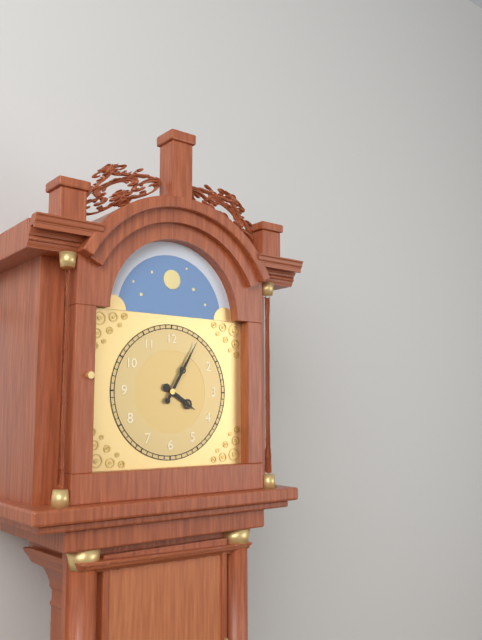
4:05
